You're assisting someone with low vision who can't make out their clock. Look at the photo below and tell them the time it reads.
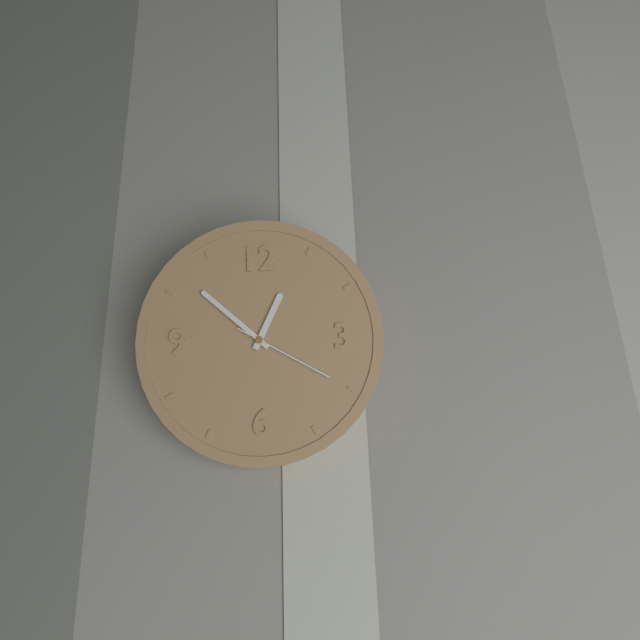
12:52:20
